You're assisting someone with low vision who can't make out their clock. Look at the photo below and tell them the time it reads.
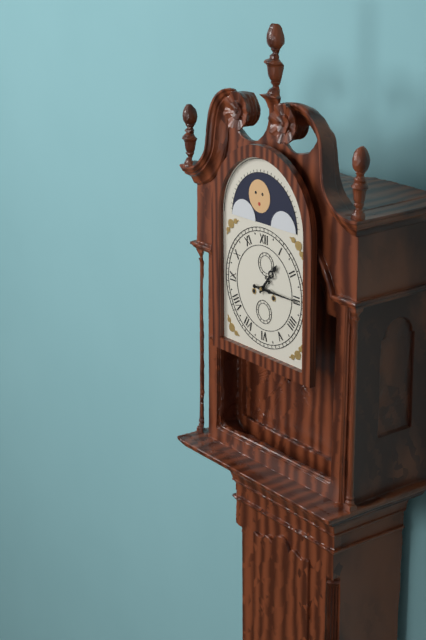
1:15
